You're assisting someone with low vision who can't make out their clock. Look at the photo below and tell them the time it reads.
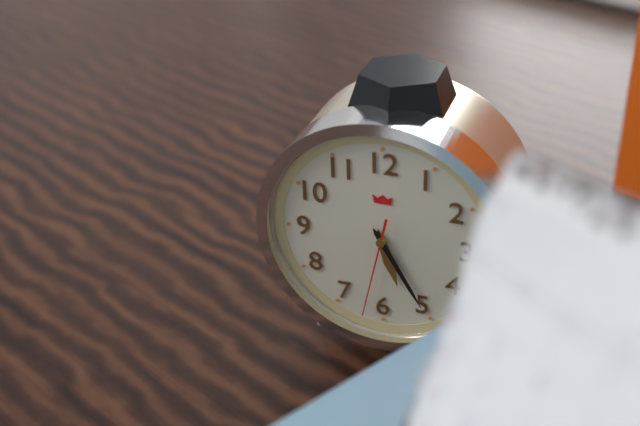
5:25:32
